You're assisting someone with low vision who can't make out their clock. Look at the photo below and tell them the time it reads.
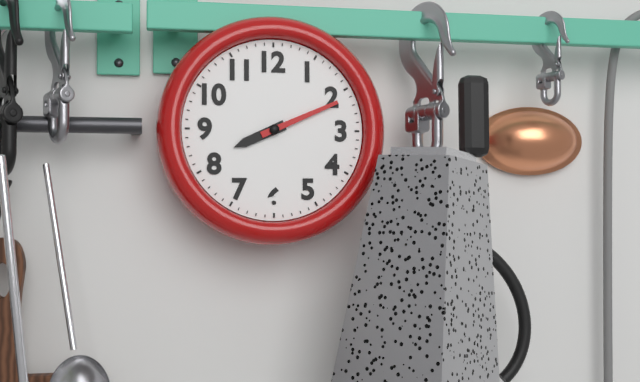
8:11
